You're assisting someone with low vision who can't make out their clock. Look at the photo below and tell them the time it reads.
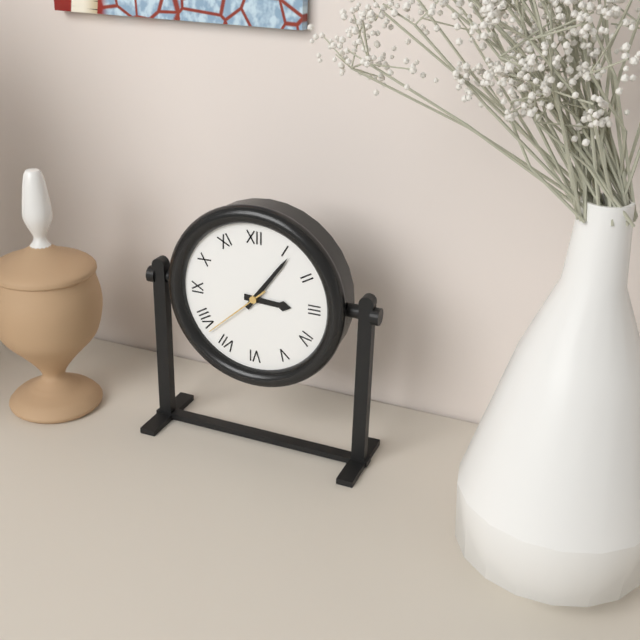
3:06:38
